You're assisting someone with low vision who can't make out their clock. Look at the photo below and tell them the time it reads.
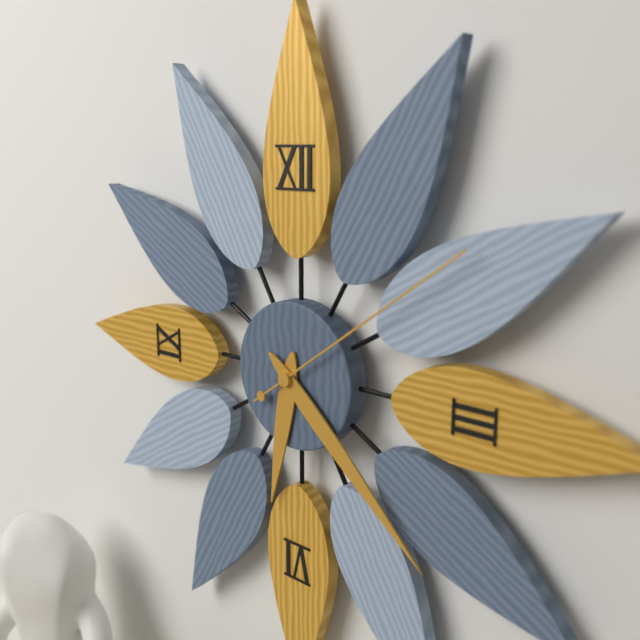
6:22:09
